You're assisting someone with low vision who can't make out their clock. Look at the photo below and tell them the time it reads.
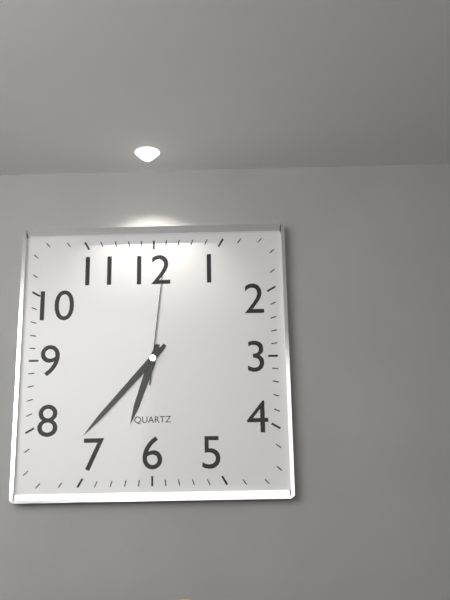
6:37:01
